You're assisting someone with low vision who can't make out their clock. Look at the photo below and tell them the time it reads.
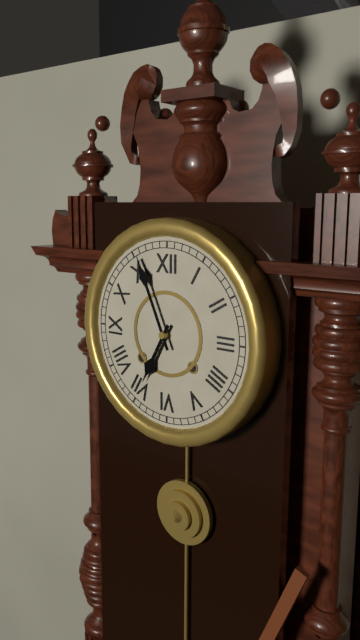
6:56
